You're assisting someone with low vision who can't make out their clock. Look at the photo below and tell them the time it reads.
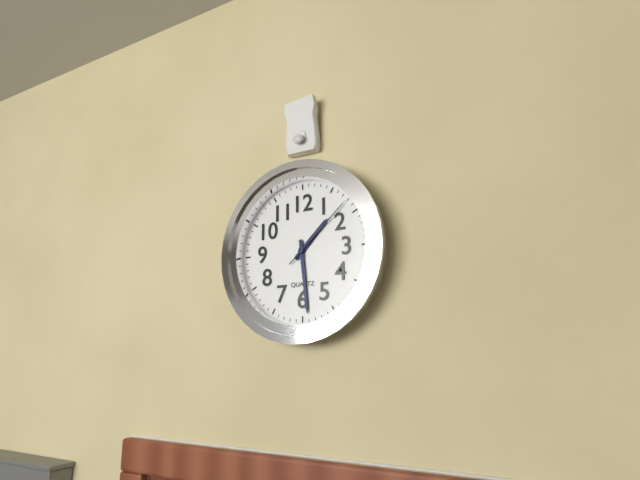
1:29:08
